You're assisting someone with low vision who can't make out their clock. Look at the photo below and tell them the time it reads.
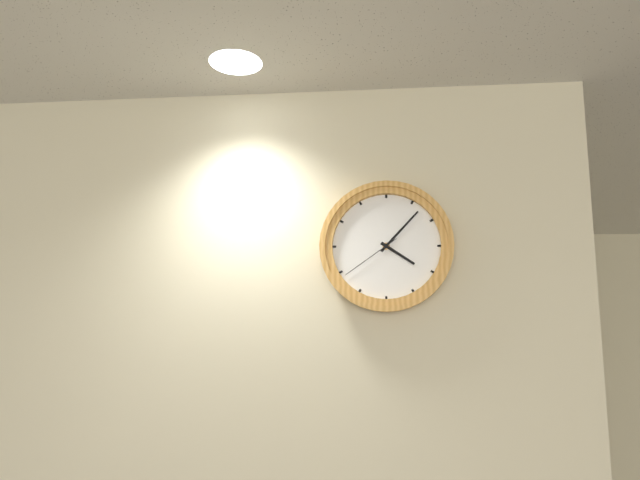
4:07:39
